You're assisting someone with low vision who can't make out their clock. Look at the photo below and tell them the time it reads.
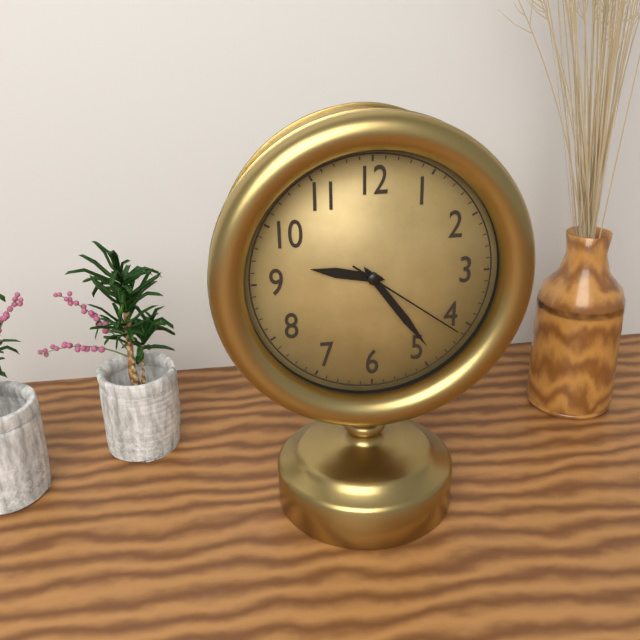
9:24:21
